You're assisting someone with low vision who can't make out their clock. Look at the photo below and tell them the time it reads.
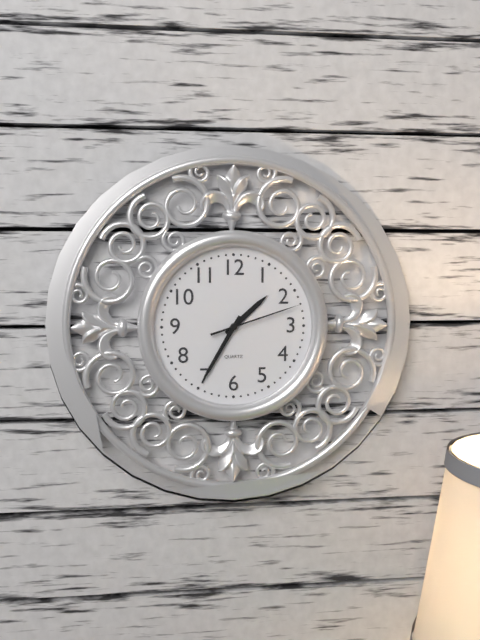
1:35:12
